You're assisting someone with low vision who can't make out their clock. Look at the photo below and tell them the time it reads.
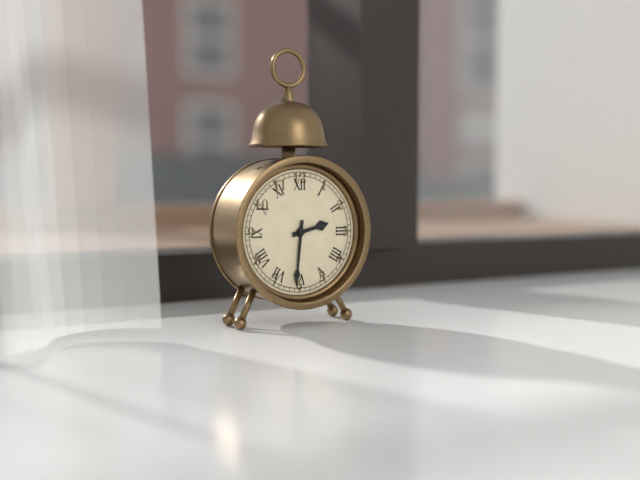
2:31
